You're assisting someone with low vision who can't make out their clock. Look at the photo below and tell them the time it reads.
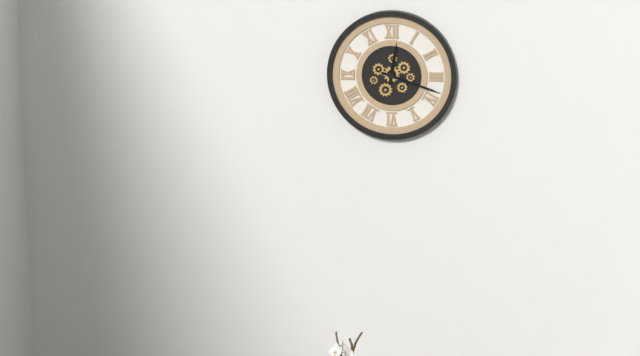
12:18
